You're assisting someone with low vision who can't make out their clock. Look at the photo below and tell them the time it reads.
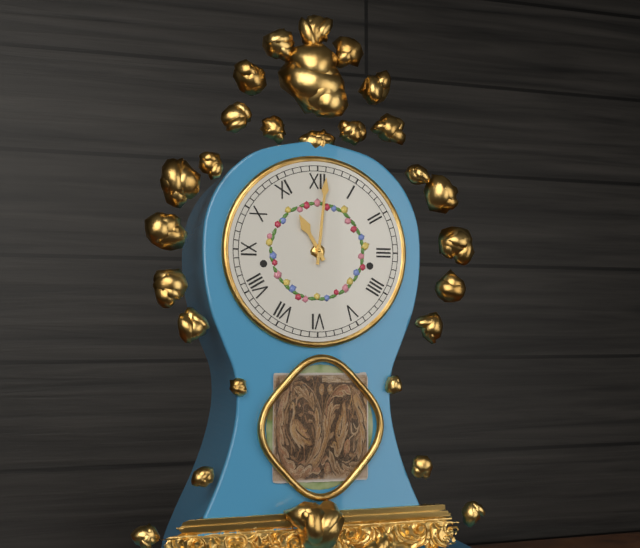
11:01
